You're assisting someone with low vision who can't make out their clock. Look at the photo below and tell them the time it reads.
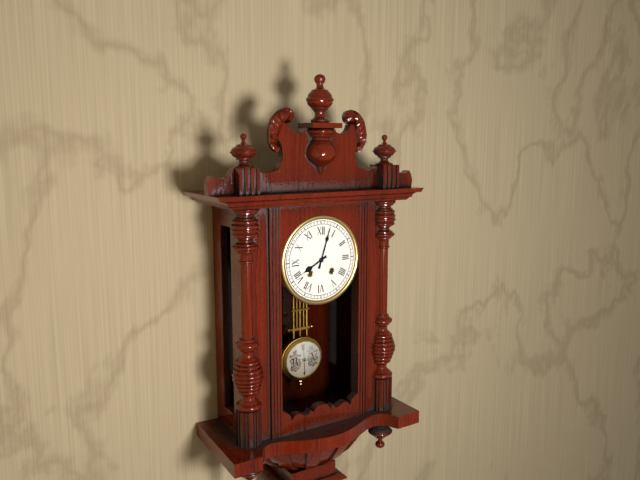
8:03
